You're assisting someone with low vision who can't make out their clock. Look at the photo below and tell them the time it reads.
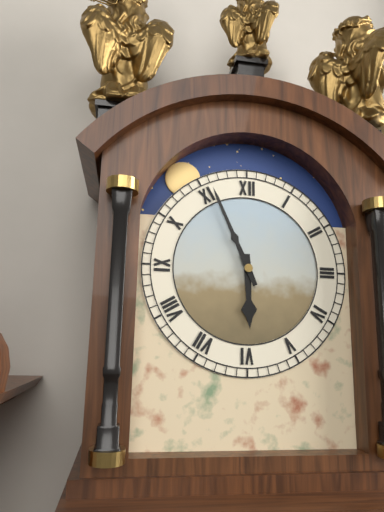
5:56
